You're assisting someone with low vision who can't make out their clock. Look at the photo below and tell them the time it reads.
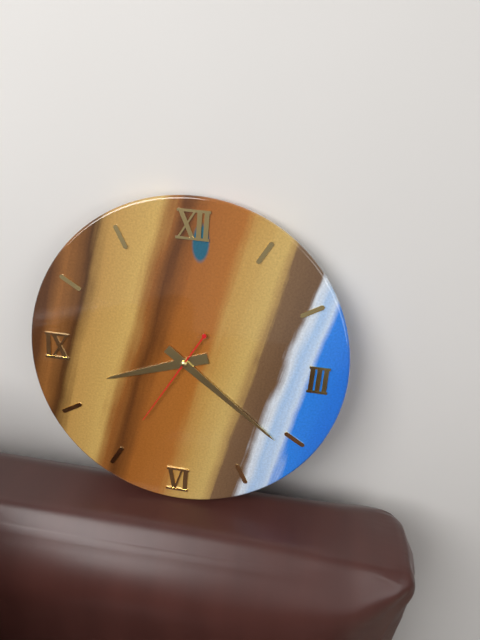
8:21:35
